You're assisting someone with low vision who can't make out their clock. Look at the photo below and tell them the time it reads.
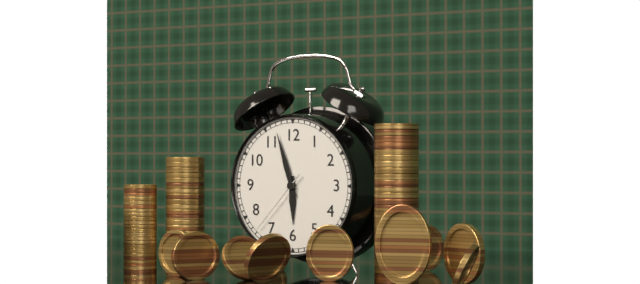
5:57:37
